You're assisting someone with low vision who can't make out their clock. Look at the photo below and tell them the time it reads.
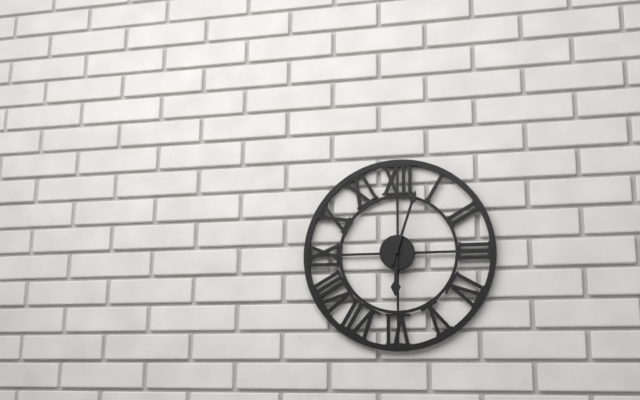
6:03
